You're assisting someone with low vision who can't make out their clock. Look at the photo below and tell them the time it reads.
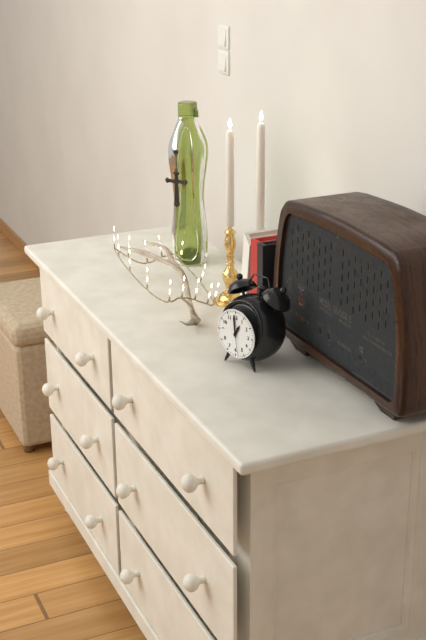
12:59
